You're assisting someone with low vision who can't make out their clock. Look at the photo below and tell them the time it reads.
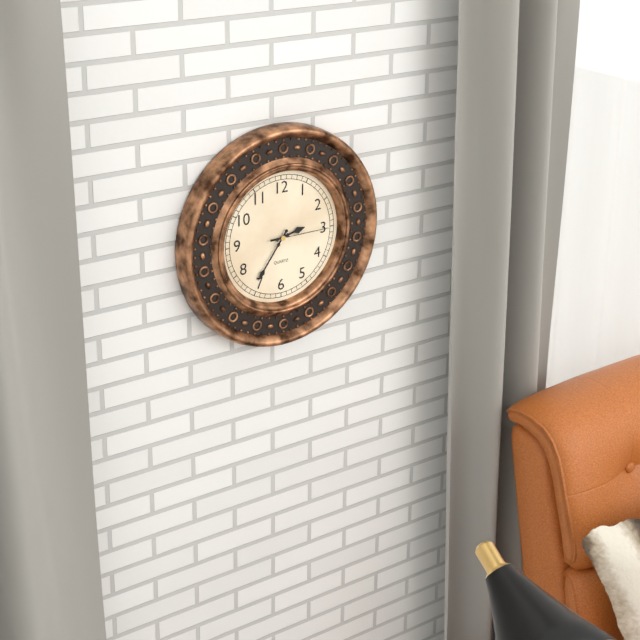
2:36:15
